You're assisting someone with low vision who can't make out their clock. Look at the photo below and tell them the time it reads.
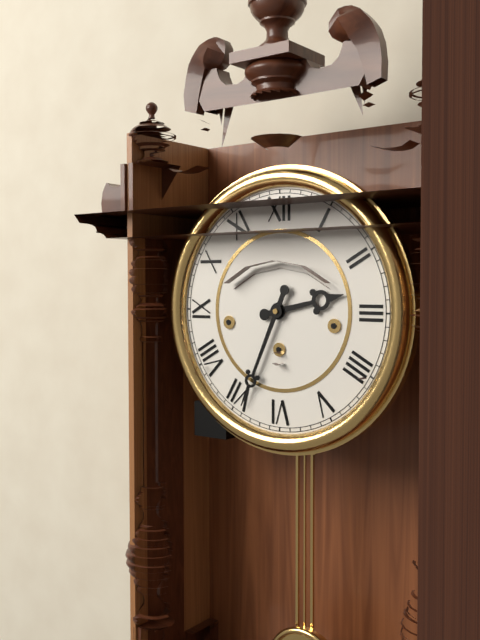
2:34
